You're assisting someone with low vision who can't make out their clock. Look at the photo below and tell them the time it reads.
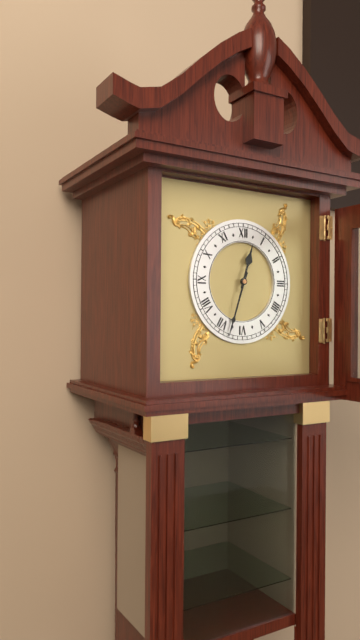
12:33
